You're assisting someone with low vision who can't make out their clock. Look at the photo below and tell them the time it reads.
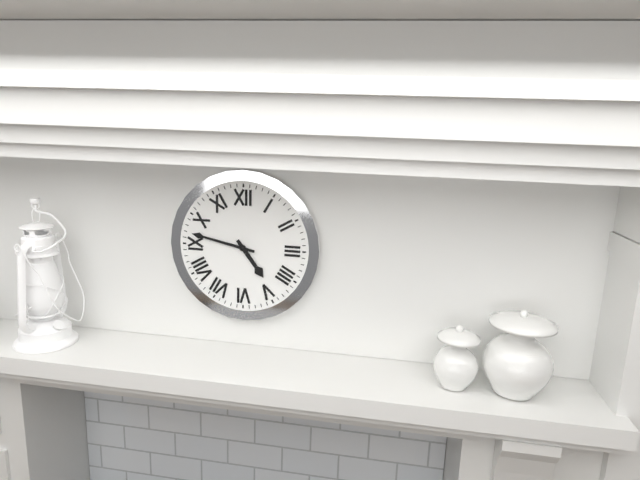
4:47
